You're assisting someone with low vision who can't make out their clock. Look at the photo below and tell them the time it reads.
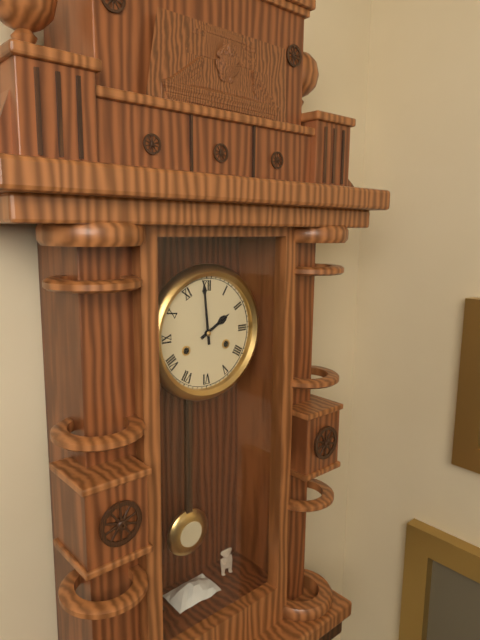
1:59
